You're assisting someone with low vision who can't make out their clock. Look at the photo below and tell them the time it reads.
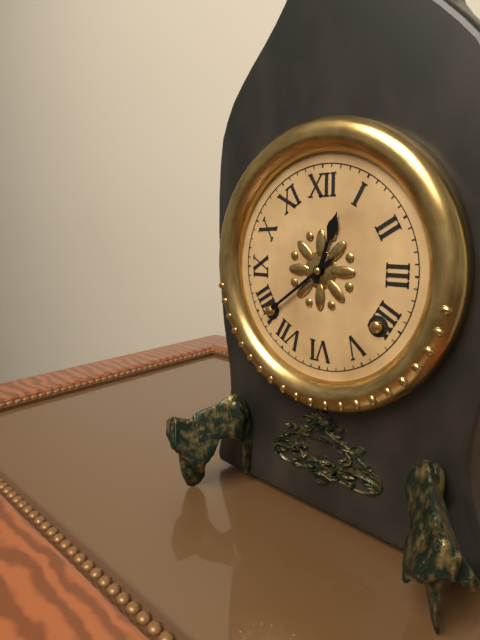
12:39
